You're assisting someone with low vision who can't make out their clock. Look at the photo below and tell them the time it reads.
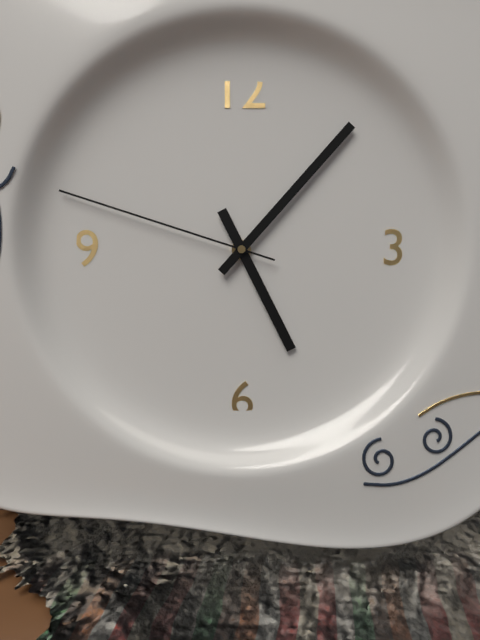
5:07:48
